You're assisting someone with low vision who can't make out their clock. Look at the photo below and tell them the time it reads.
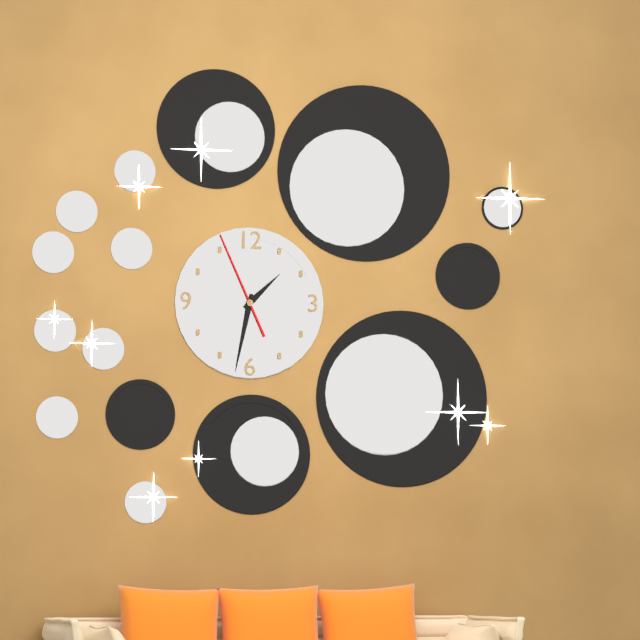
1:32:56
